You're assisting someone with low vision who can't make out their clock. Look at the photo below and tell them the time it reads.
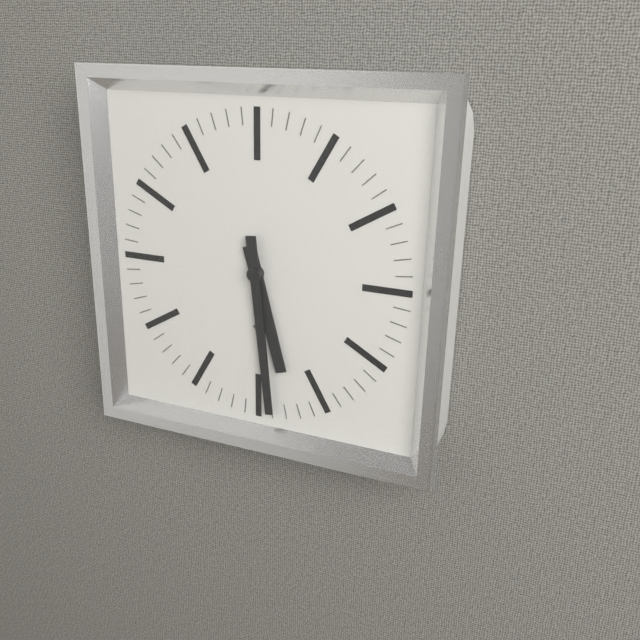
5:29
